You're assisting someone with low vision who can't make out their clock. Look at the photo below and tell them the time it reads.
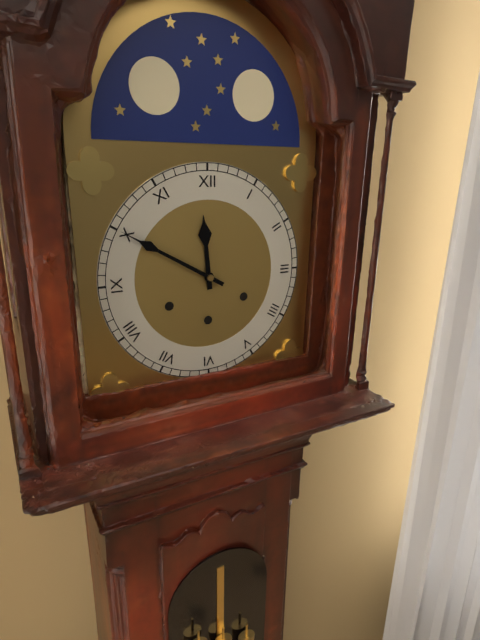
11:50
